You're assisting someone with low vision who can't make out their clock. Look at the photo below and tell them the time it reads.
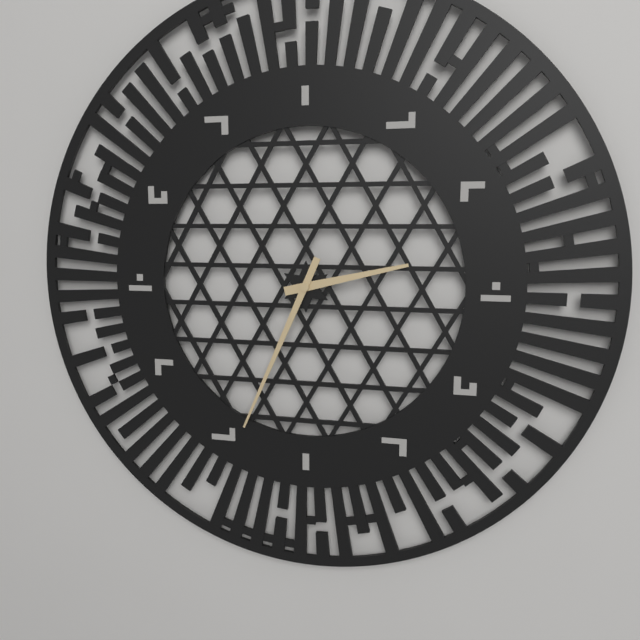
2:34
